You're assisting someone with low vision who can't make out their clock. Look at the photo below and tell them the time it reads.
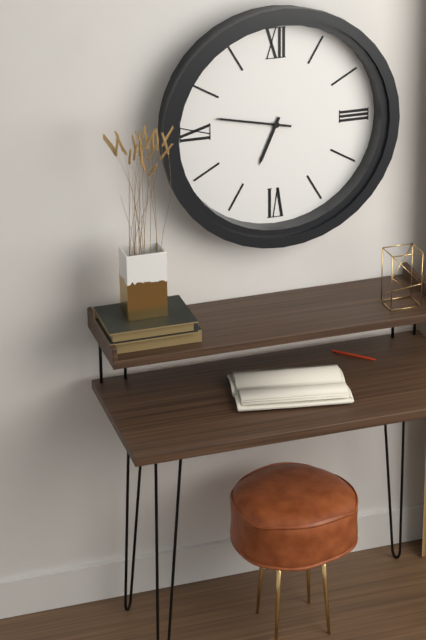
6:47
